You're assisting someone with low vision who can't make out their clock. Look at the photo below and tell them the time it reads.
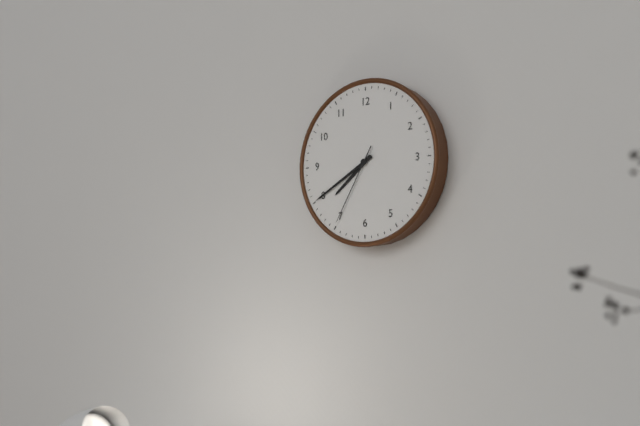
7:40:35
